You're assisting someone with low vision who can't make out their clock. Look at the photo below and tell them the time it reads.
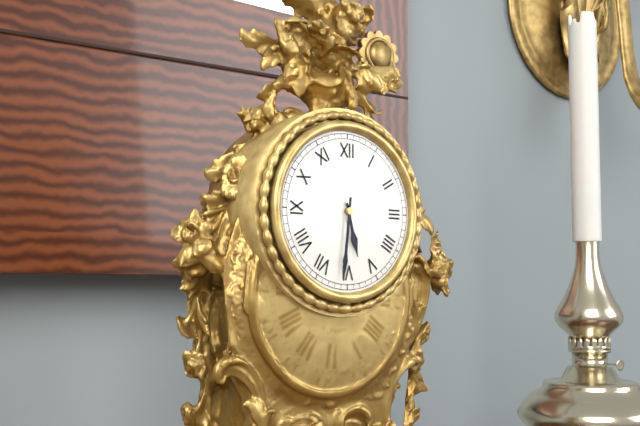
5:31
